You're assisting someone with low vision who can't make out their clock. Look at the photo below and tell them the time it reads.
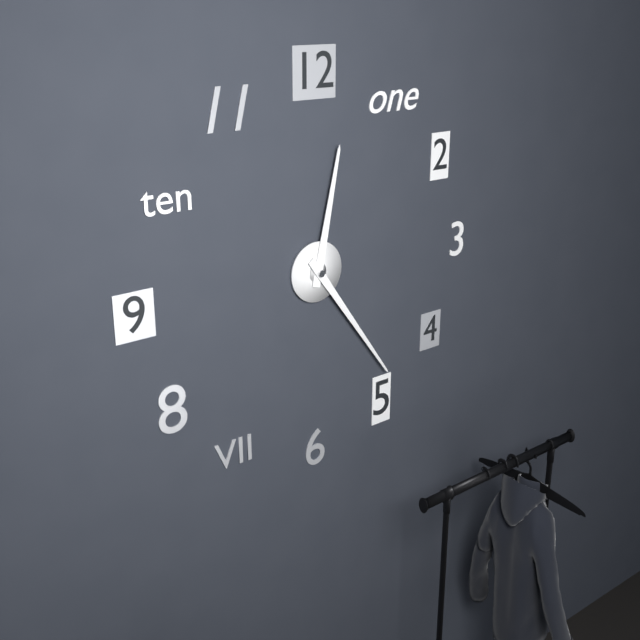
12:24
